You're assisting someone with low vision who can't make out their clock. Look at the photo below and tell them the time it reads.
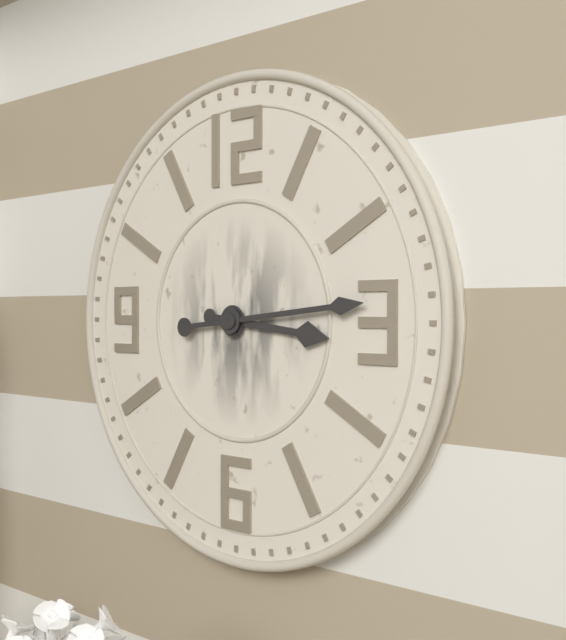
3:14
